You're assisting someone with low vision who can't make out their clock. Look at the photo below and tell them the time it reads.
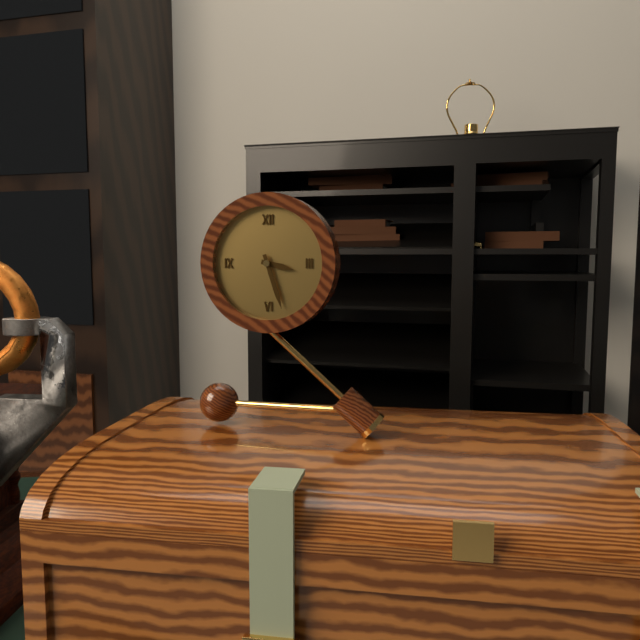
3:27
